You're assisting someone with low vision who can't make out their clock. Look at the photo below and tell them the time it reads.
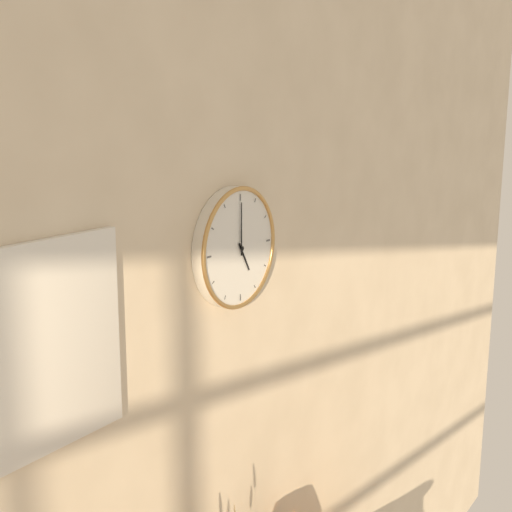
5:00
